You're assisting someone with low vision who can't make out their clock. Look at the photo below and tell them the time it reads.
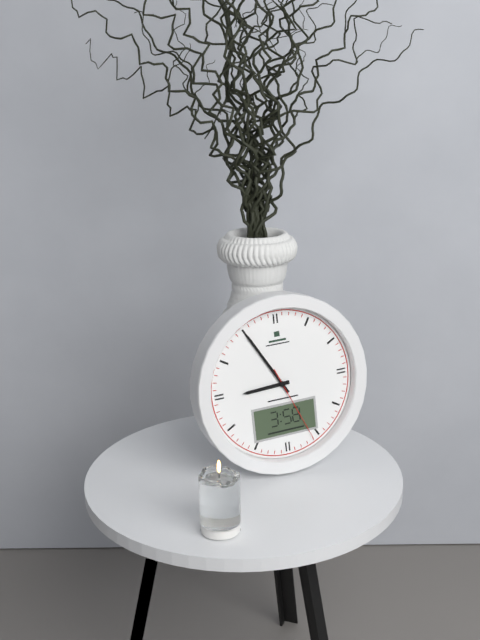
8:55:26
